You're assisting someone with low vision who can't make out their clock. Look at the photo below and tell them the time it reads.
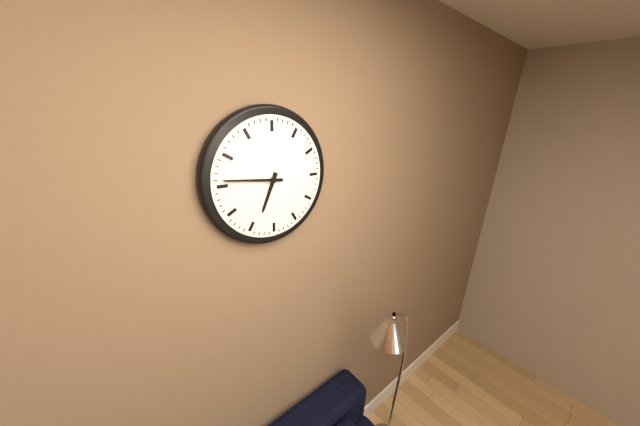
6:46
